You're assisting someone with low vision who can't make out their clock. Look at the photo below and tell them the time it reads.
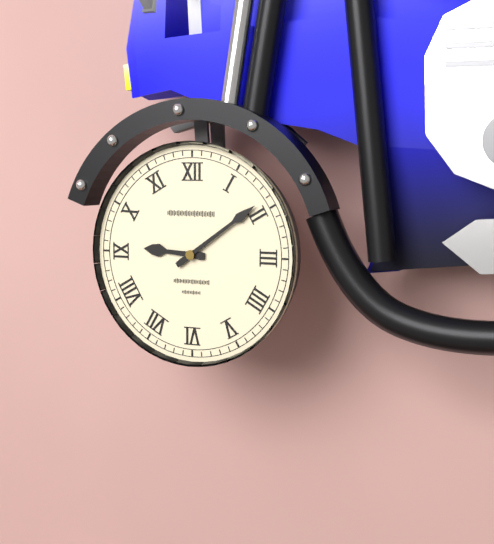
9:09
